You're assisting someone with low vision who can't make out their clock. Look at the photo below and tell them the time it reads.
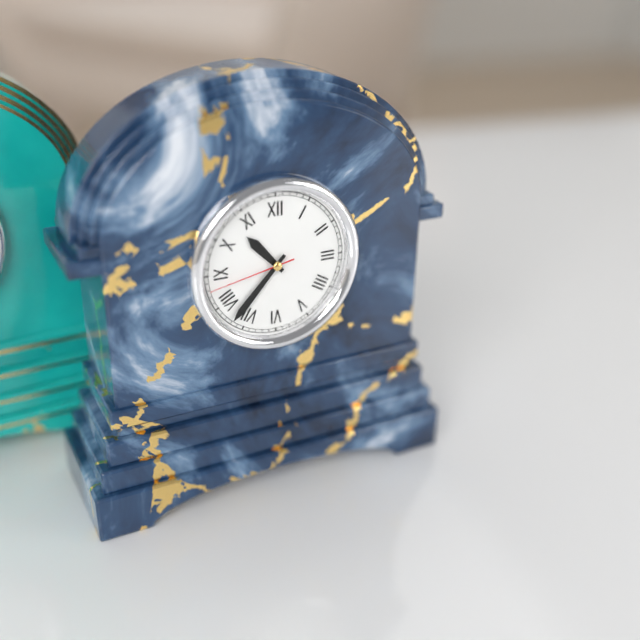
10:37:43
